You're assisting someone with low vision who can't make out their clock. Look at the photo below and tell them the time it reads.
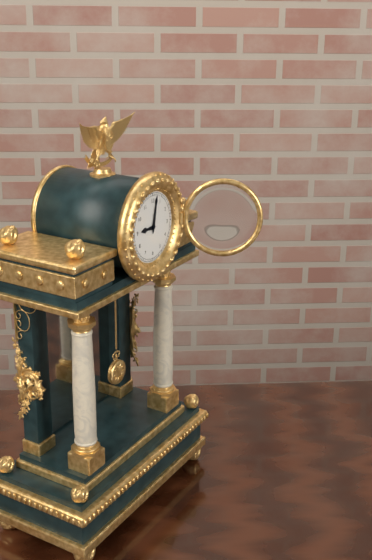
9:02
